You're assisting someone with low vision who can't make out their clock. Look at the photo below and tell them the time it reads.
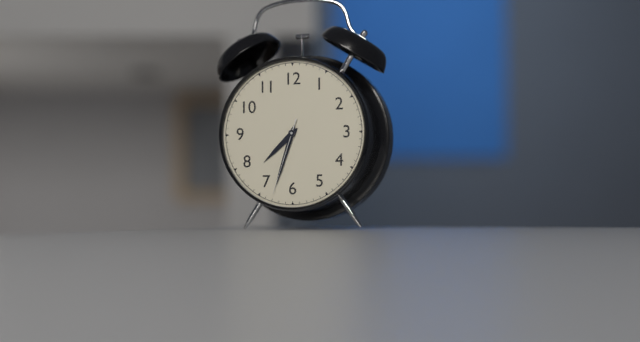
7:33:33
